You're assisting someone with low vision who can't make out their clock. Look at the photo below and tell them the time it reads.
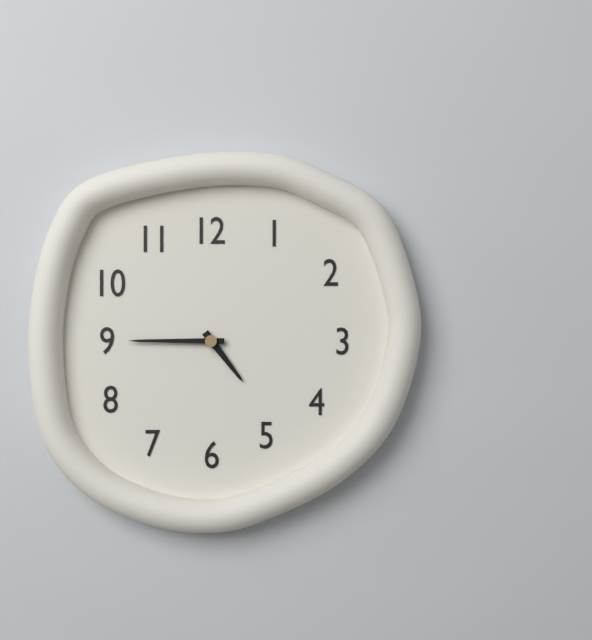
4:45
